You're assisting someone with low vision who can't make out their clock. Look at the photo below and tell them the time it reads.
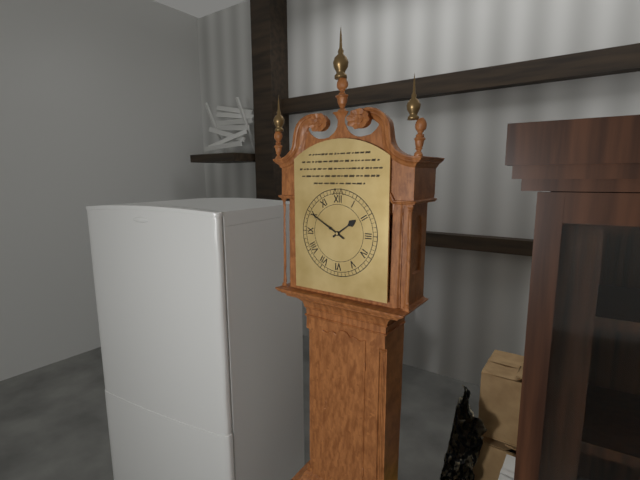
1:50
